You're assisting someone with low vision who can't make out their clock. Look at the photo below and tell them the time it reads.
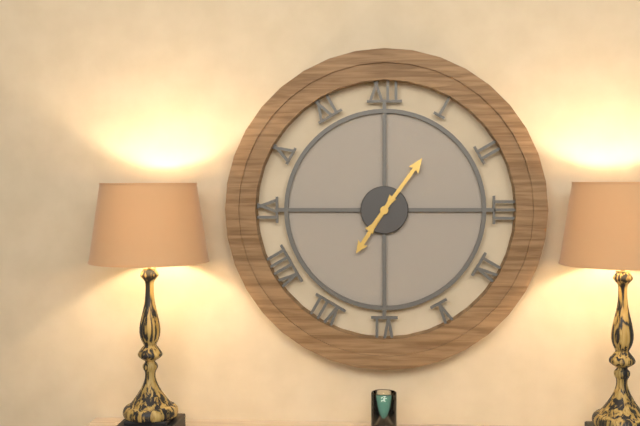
7:06
